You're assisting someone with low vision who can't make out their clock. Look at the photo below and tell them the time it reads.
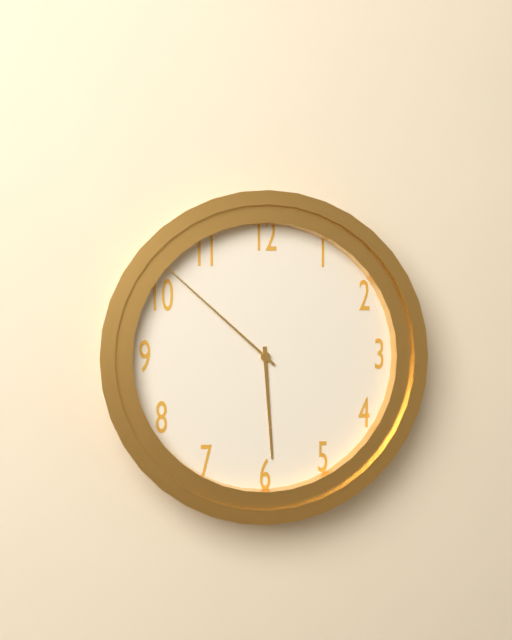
5:52
